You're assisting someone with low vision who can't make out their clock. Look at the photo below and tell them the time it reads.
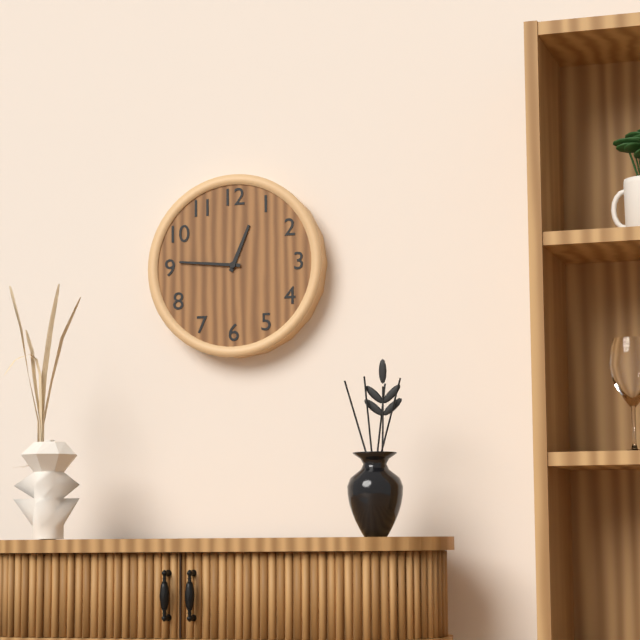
12:46
